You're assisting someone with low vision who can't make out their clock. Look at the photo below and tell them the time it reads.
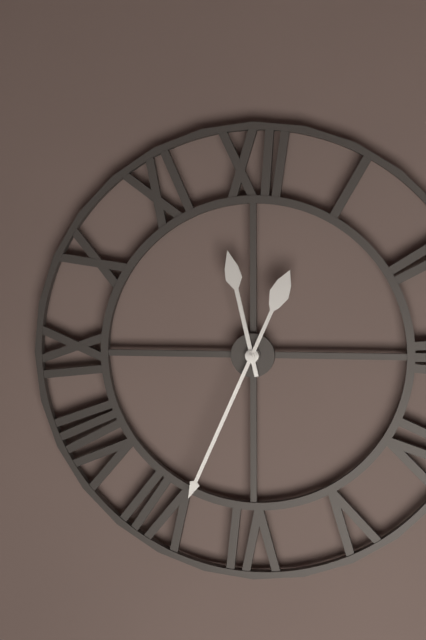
11:34
